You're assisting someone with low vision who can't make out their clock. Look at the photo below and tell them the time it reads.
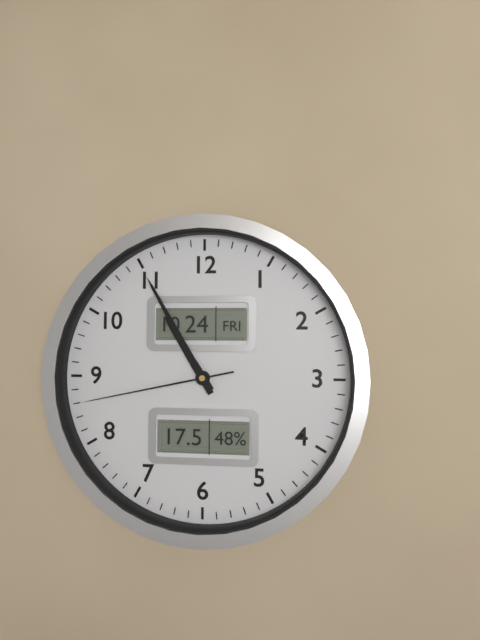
10:55:43
